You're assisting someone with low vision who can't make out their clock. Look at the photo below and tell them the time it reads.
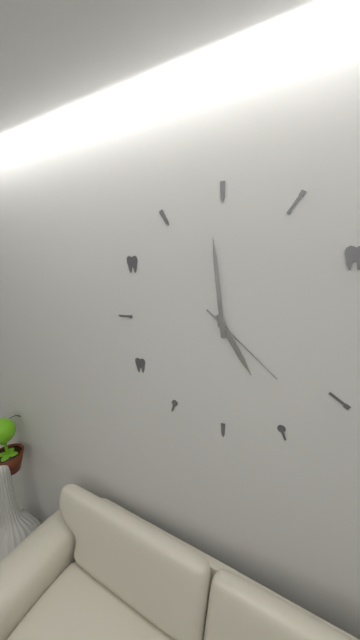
4:59:22
